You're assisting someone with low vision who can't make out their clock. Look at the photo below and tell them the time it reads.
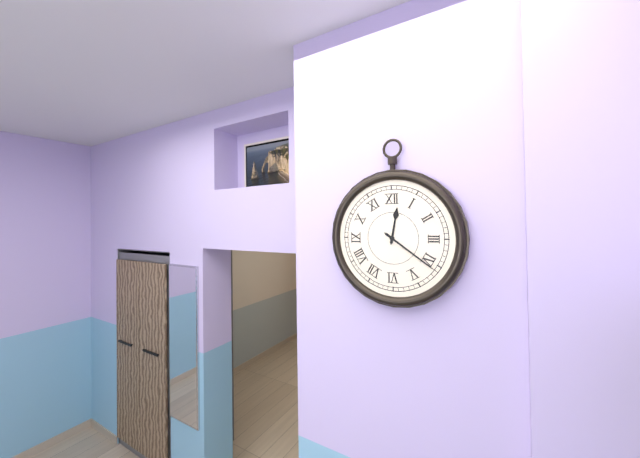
12:21
